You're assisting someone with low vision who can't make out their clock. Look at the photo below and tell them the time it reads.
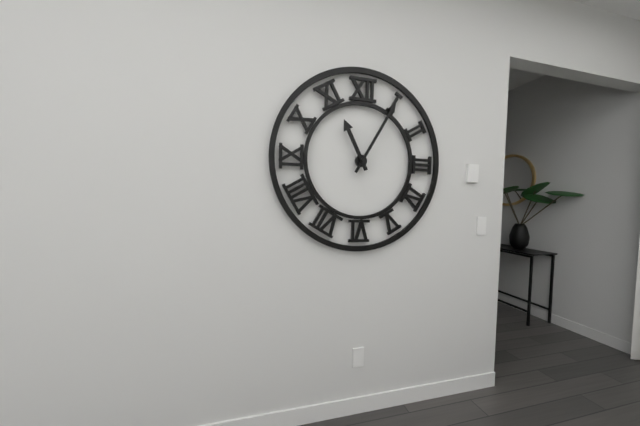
11:05
